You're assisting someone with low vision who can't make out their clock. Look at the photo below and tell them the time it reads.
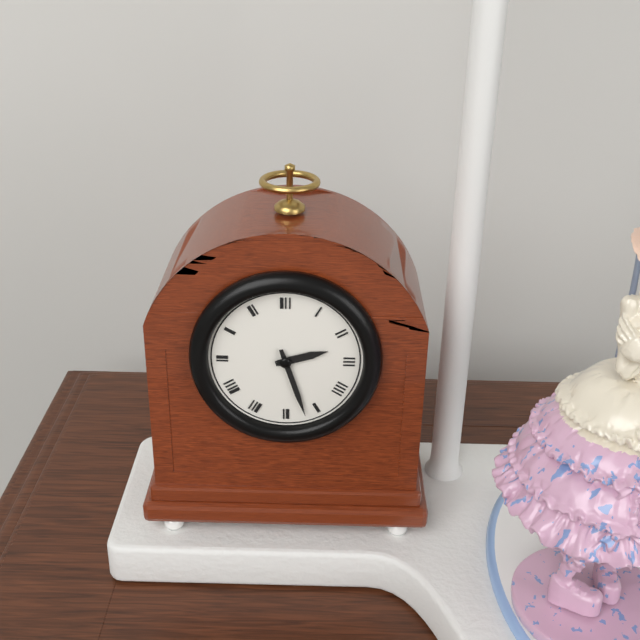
2:27
